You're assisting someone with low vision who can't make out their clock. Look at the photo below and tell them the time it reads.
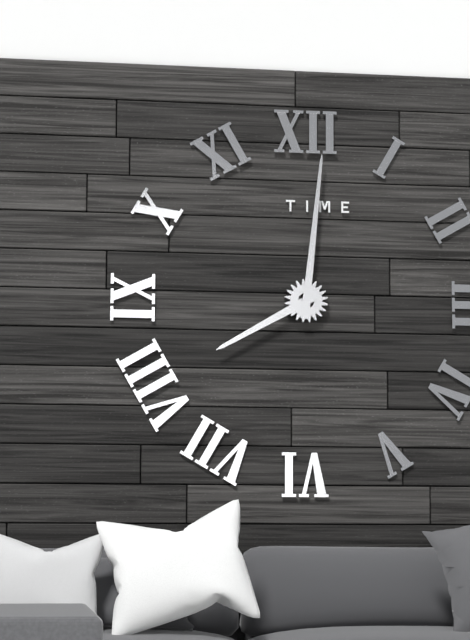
8:01
